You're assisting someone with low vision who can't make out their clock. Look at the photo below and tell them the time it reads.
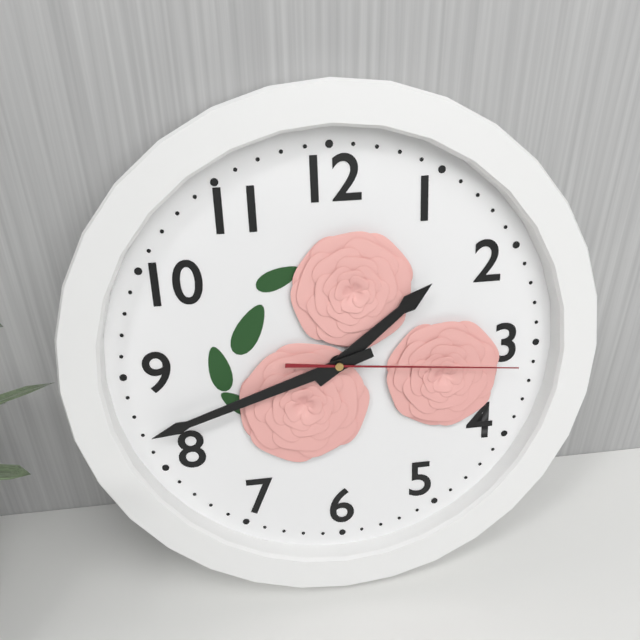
1:42:16
